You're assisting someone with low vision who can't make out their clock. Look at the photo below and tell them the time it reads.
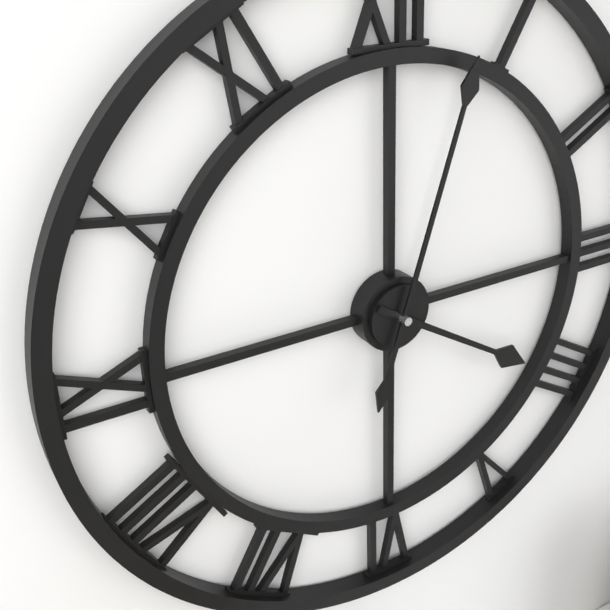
4:03
